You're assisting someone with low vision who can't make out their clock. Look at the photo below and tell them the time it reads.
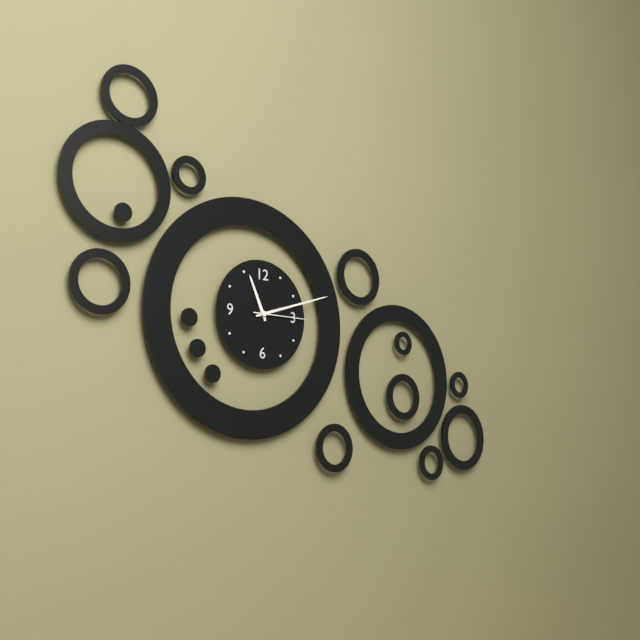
11:12:15
